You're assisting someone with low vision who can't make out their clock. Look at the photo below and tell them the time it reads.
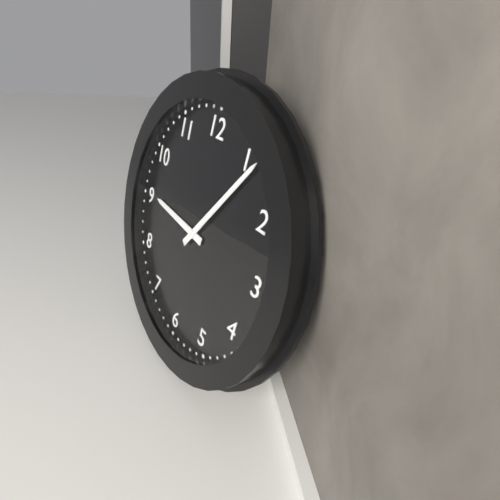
9:06
